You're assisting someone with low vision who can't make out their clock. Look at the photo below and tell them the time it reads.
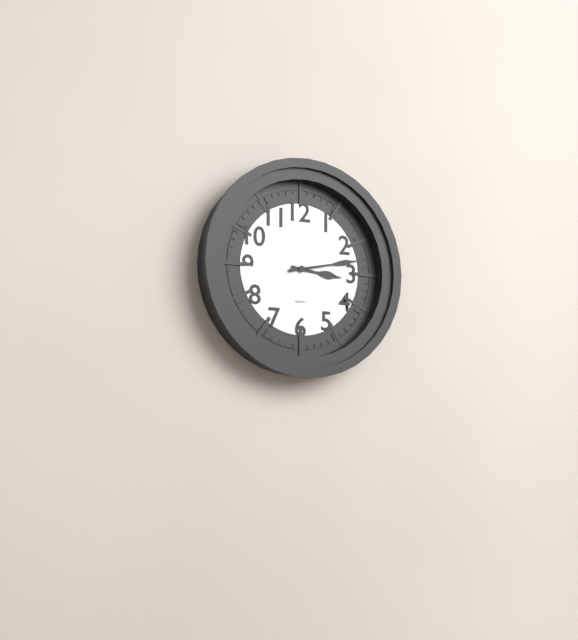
3:13
